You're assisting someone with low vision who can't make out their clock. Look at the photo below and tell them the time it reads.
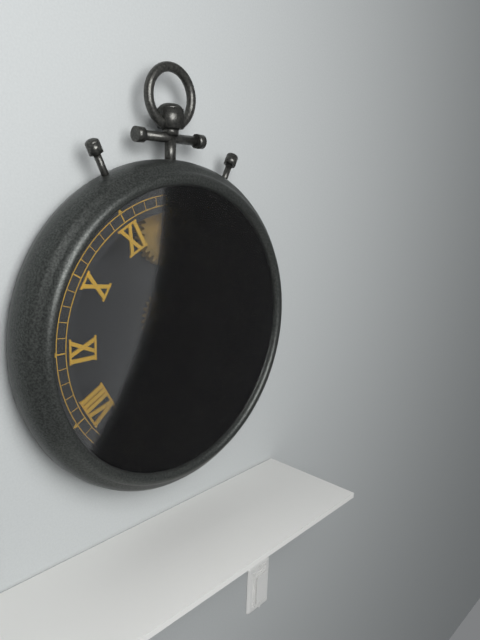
1:21:20
